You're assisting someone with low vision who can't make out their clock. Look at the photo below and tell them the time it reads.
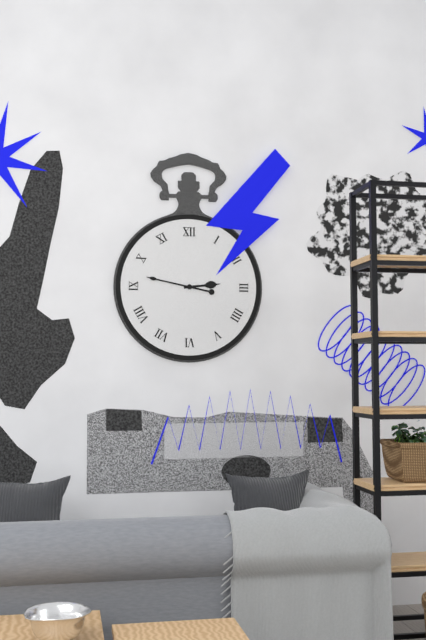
2:47
